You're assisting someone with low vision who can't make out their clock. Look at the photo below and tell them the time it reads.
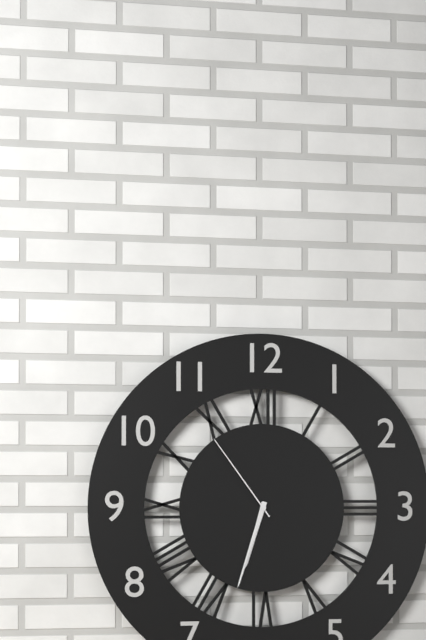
6:33:54
